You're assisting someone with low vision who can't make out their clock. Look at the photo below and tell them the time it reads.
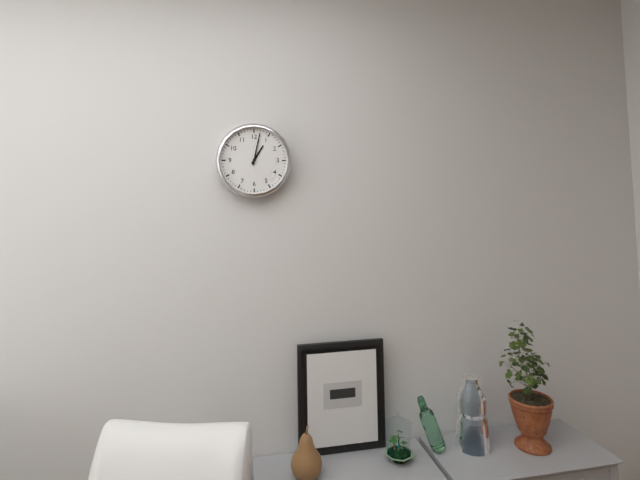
1:02
